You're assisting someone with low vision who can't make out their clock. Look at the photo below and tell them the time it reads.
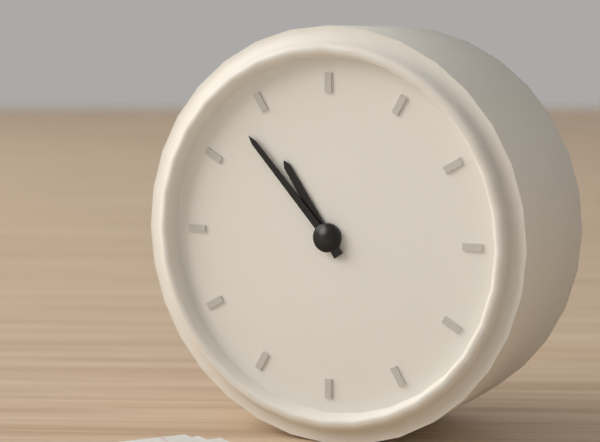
10:53
